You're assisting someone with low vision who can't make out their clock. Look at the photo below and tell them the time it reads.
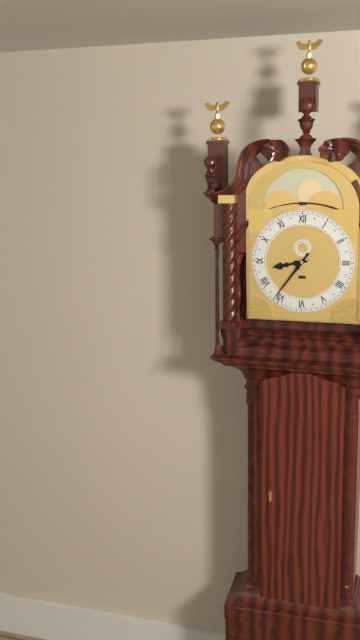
8:36
